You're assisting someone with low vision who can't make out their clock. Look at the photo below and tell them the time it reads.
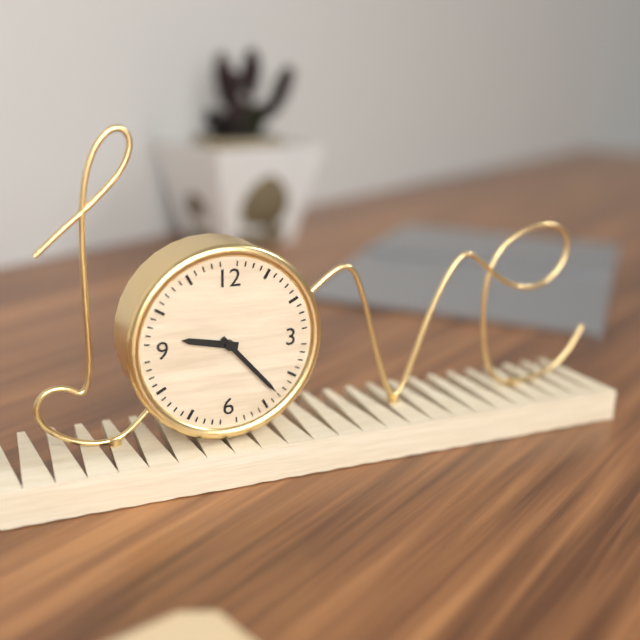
9:23
